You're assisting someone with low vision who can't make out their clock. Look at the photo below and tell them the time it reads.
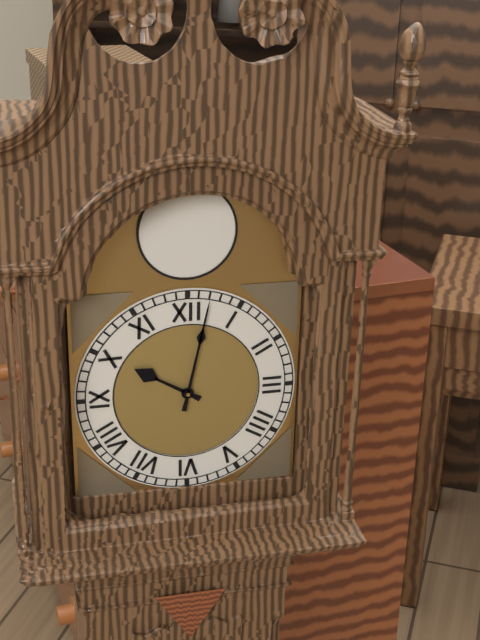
10:02
